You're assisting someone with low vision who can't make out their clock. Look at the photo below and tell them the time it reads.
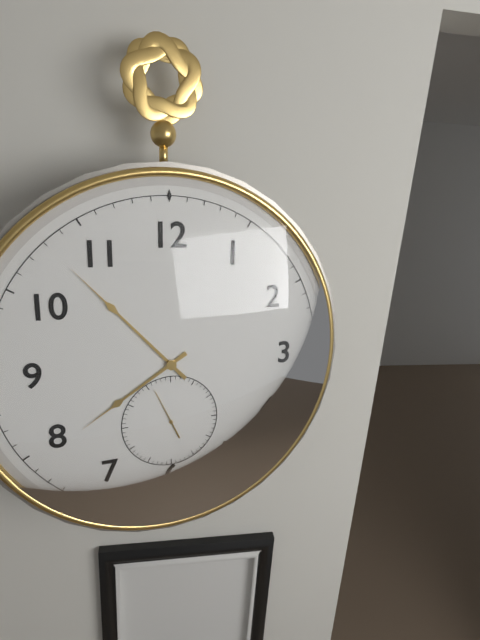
7:53
